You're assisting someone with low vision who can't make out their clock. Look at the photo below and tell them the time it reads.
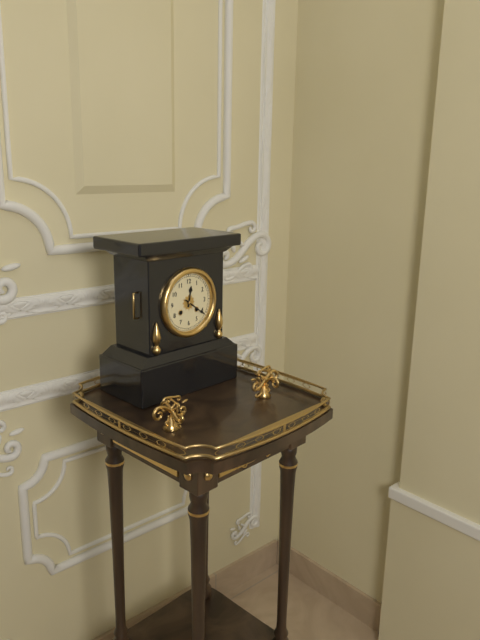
12:21
